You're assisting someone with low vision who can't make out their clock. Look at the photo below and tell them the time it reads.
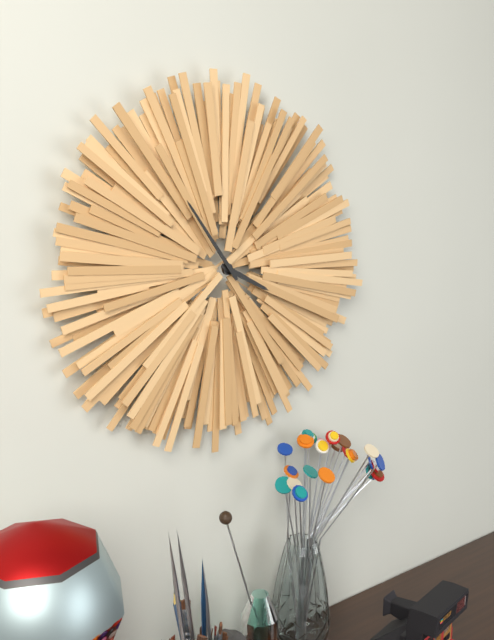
3:54
